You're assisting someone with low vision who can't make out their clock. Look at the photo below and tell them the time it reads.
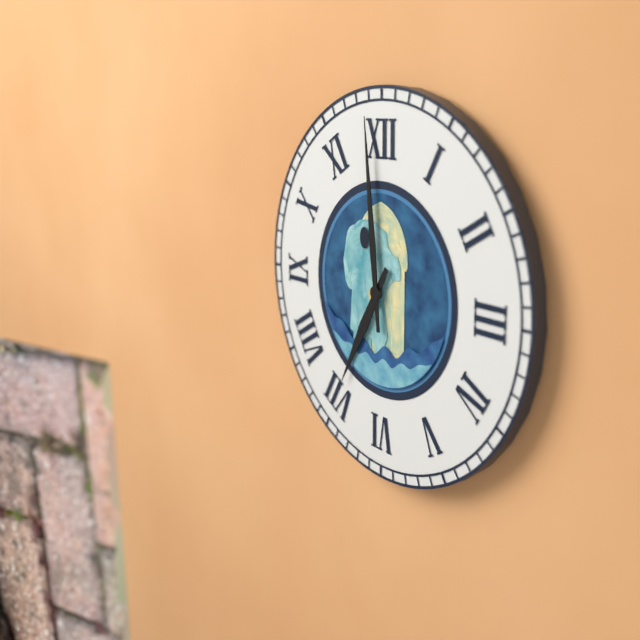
6:59
